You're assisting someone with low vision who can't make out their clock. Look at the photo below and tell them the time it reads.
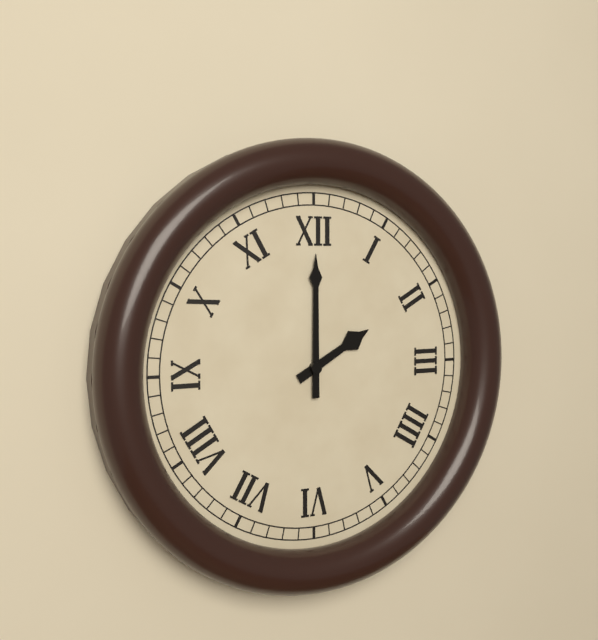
2:00
